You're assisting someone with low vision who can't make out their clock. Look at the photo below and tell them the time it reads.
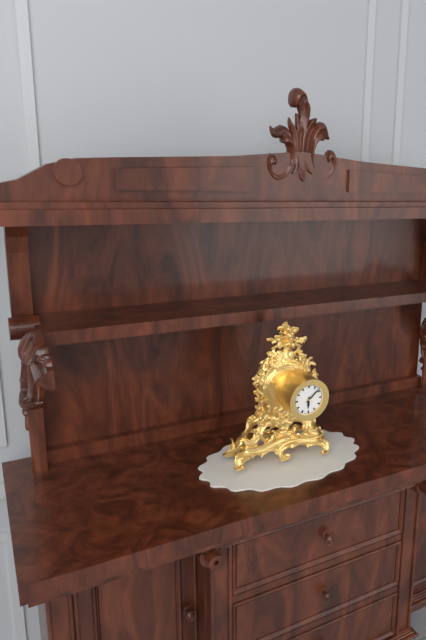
6:08
